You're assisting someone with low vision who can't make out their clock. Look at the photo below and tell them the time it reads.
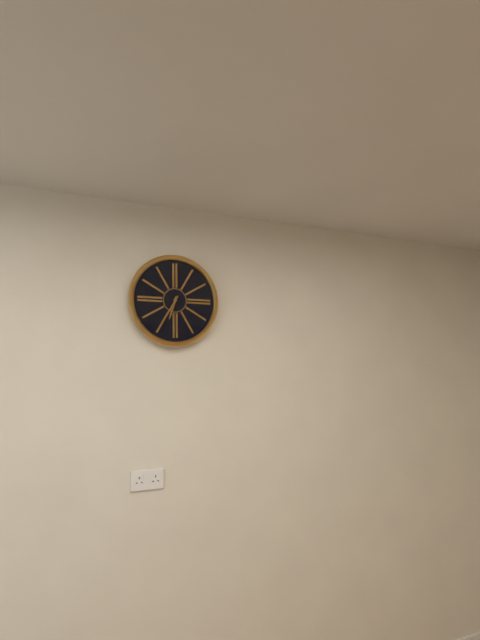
6:35
